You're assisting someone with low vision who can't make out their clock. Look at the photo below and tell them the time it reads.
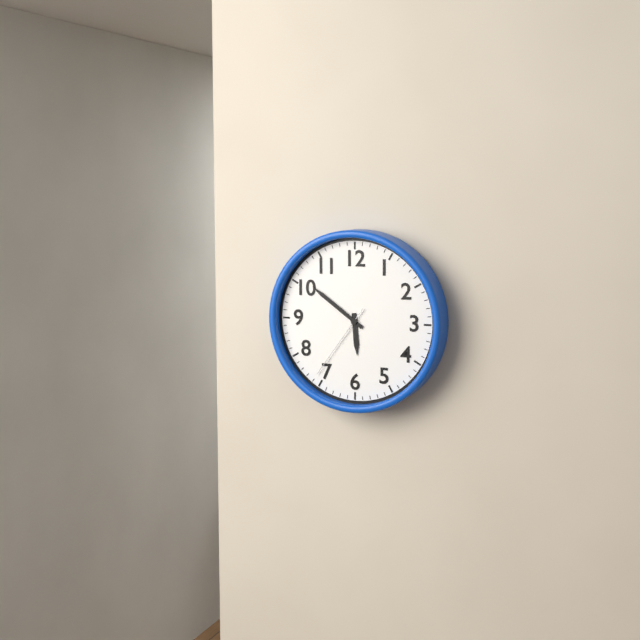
5:51:36
